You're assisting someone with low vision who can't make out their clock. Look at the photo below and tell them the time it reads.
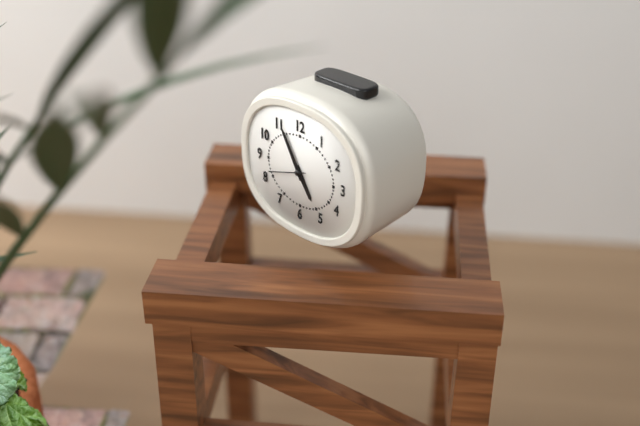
4:55
